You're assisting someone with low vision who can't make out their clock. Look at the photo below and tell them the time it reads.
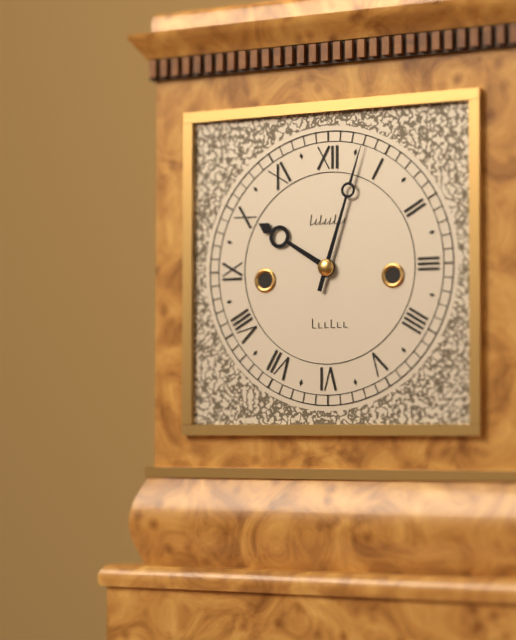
10:03
